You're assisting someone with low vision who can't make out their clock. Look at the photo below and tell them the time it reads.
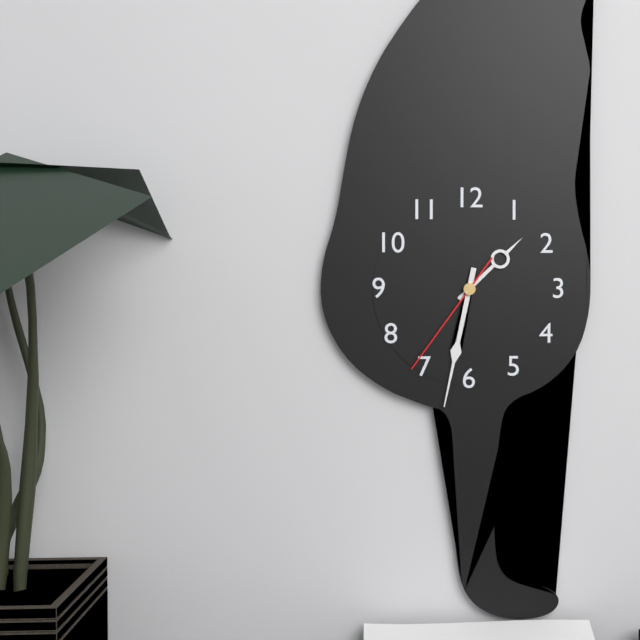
1:32:36
